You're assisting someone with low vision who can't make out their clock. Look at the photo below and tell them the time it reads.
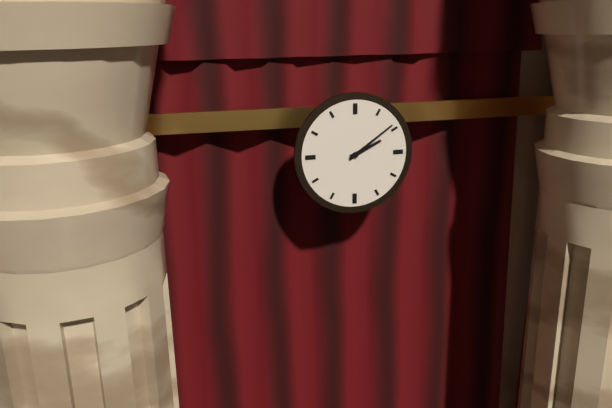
2:09
